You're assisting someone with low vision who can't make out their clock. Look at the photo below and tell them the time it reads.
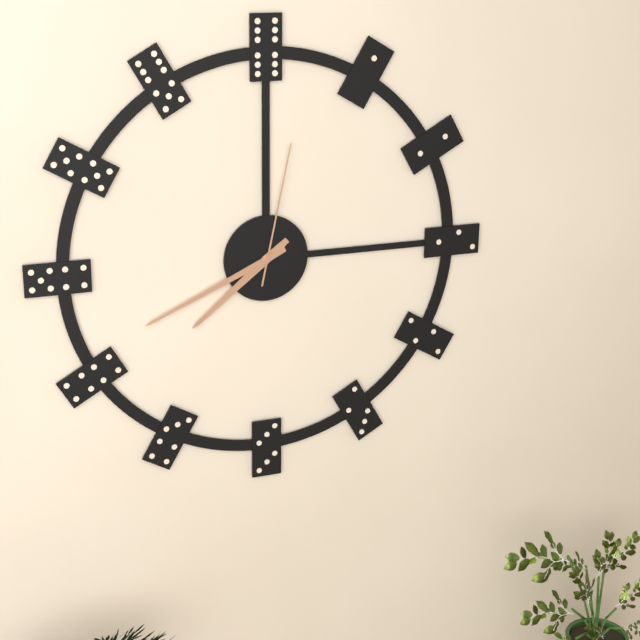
7:41:02
